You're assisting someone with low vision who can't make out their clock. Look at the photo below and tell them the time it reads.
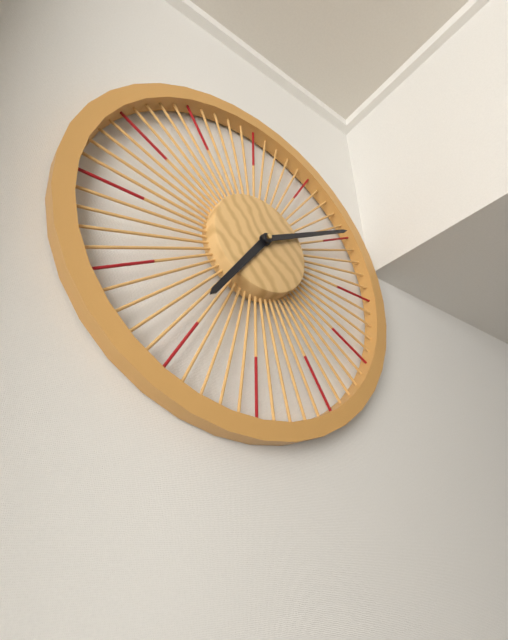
7:10
